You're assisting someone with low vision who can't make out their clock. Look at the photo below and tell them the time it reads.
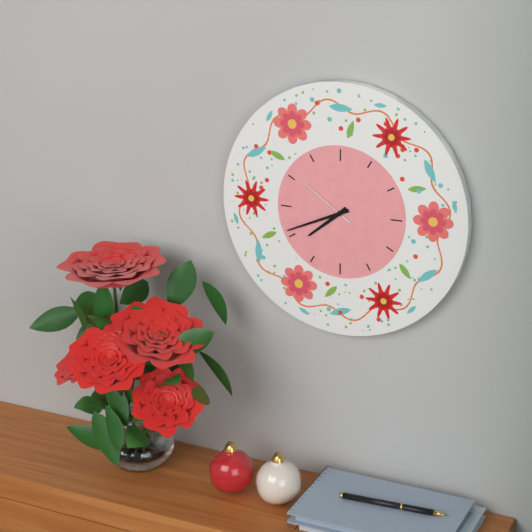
7:41:51
